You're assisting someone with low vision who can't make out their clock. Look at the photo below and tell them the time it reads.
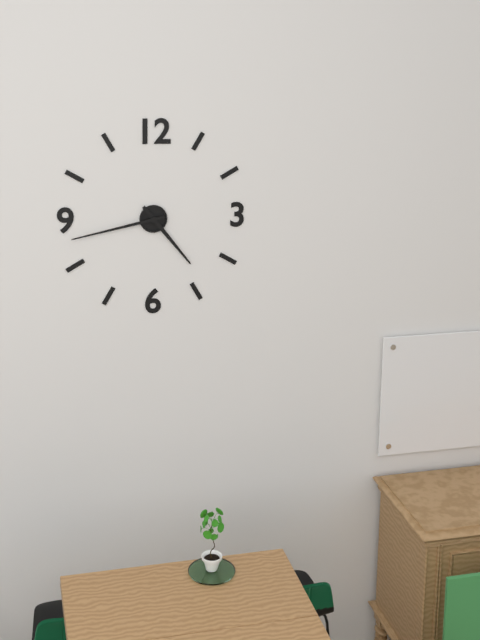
4:43
